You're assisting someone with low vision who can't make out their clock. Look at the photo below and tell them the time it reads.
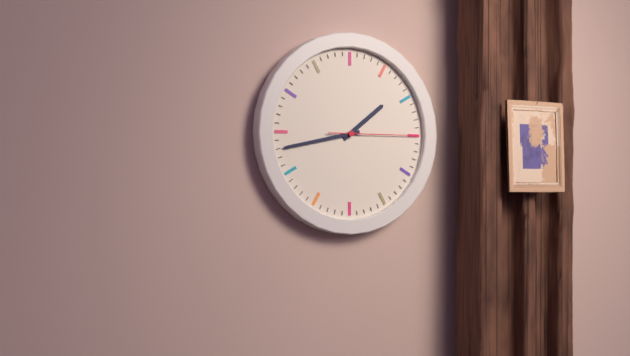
1:43:15
